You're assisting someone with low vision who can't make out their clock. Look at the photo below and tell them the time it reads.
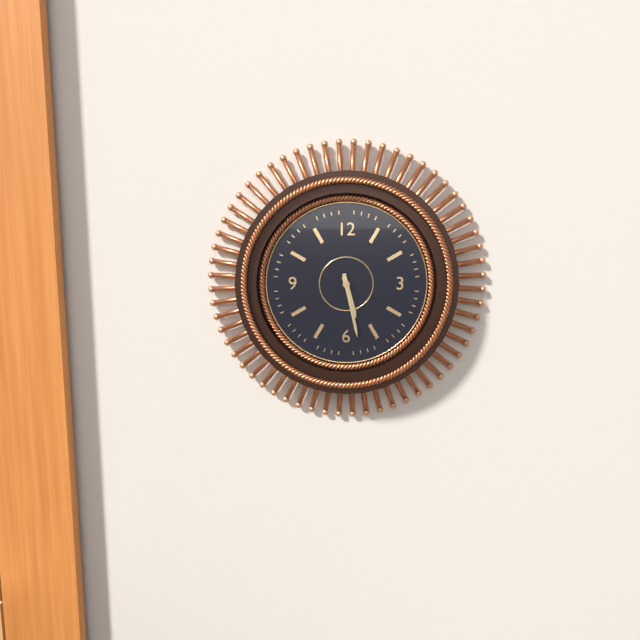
5:28
